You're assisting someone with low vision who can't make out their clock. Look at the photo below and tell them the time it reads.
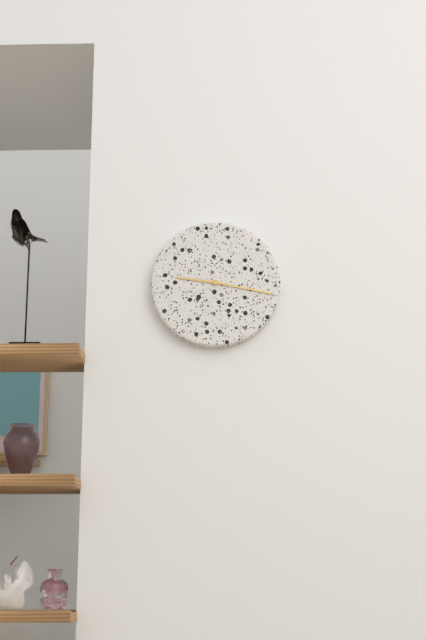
9:17
